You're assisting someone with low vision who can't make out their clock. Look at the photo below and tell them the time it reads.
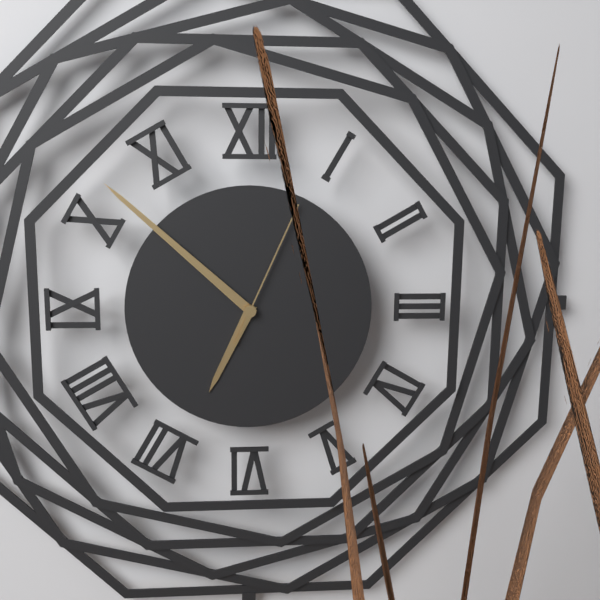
6:52:04
